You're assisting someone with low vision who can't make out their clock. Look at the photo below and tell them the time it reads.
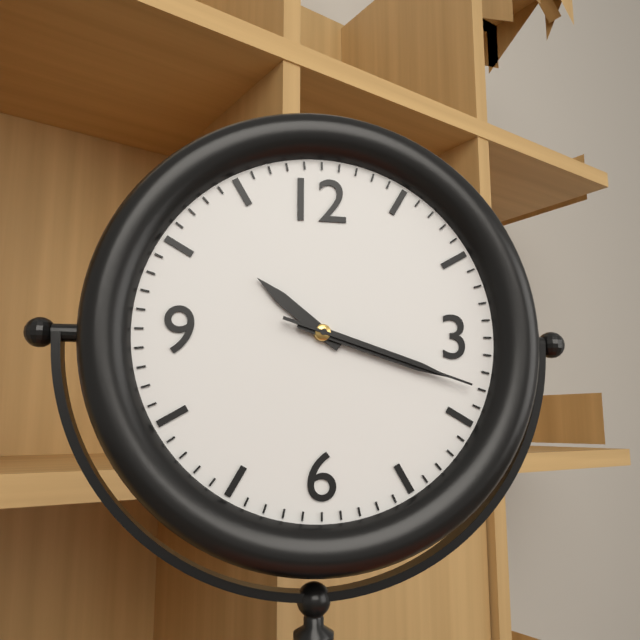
10:18:18
